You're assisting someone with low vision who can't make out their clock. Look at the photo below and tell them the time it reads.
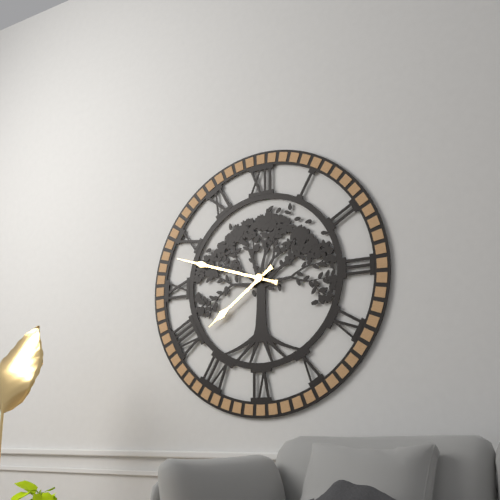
7:48
